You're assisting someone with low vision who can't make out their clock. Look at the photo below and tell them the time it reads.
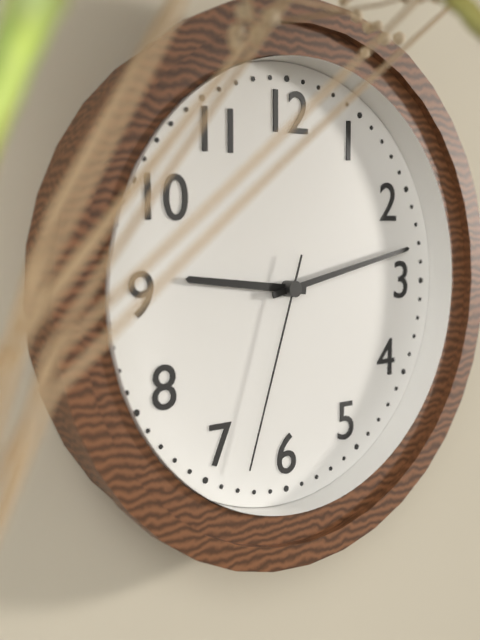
9:13:33
